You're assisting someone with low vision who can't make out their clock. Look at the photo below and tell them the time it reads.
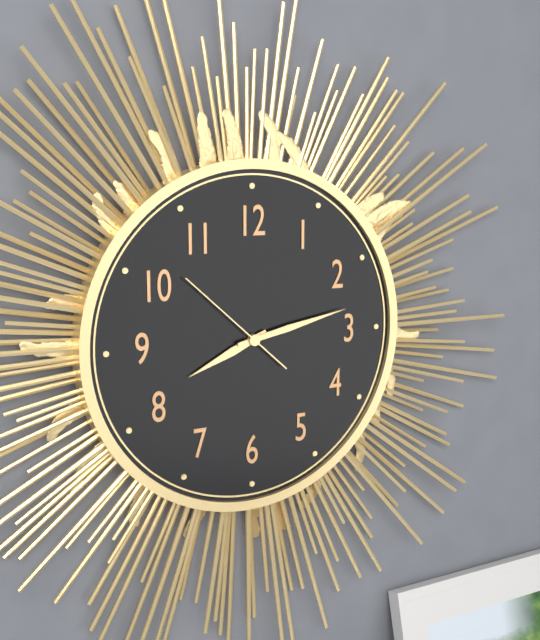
8:13:52
